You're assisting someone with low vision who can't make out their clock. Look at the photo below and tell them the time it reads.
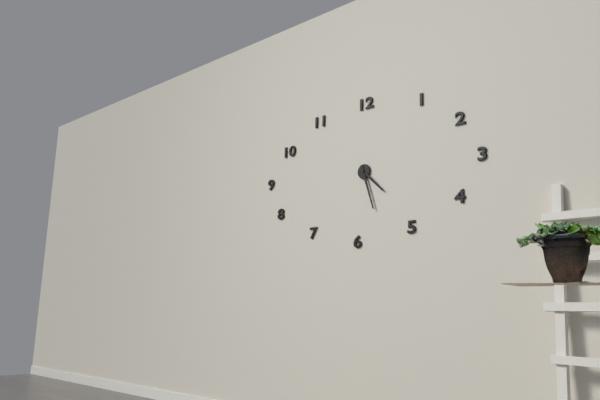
4:27
